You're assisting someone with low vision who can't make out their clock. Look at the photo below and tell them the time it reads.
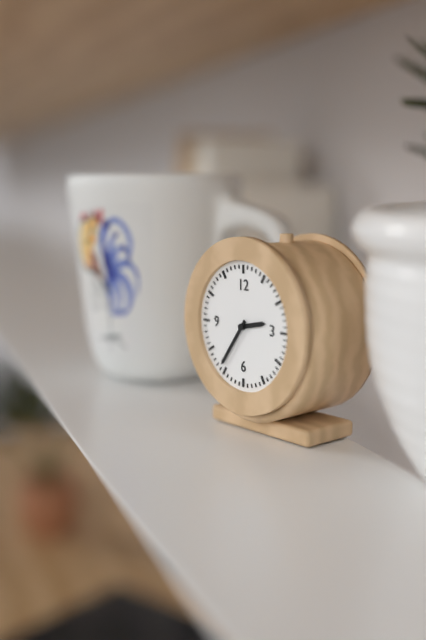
2:36
